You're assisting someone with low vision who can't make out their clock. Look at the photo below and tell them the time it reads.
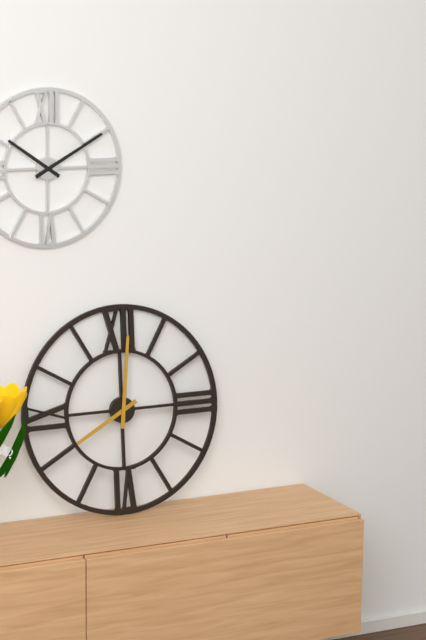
8:01
